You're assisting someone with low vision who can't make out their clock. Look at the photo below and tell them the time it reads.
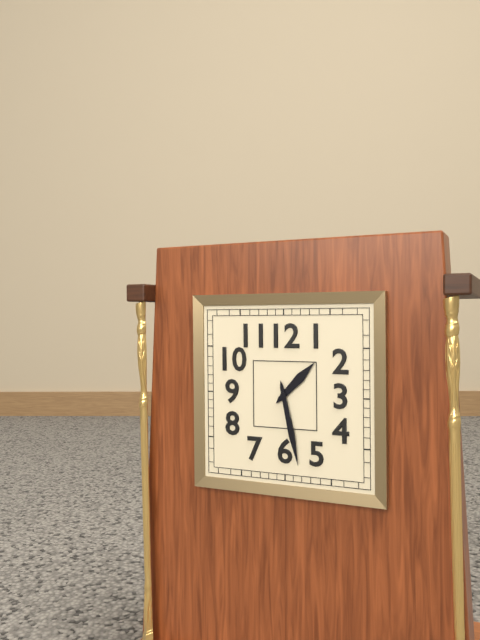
1:28
